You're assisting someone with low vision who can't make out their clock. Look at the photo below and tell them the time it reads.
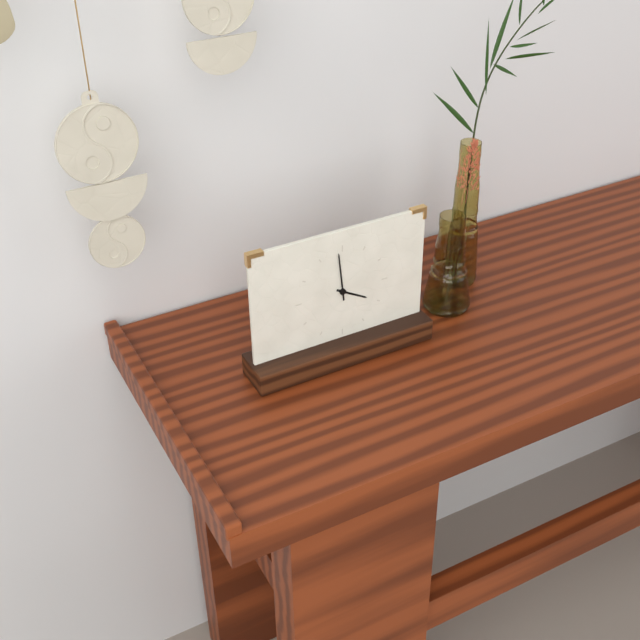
3:59
